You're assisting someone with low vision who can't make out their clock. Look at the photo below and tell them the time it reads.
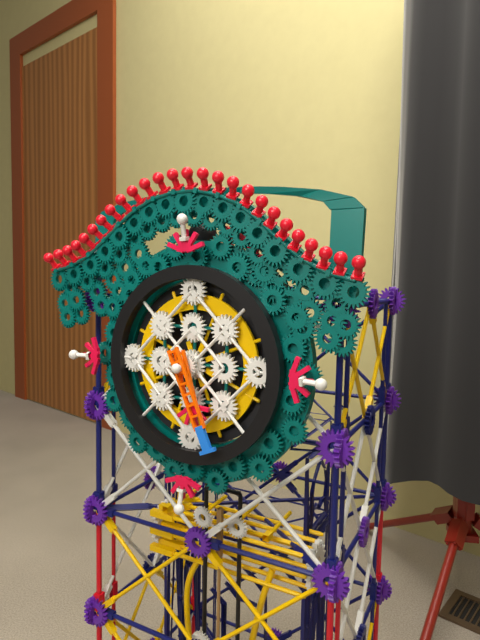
5:26
